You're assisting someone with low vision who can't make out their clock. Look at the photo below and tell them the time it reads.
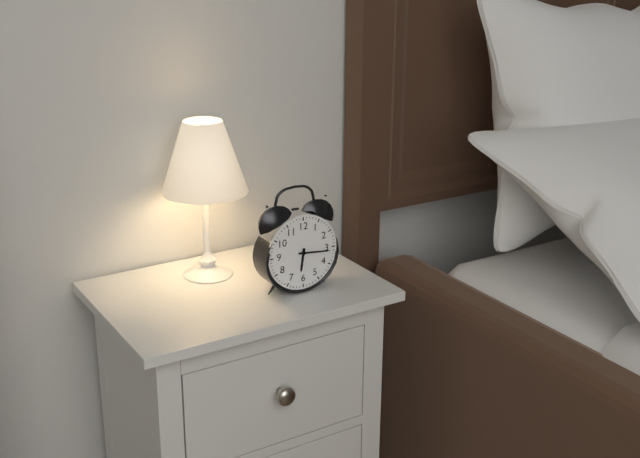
6:16
